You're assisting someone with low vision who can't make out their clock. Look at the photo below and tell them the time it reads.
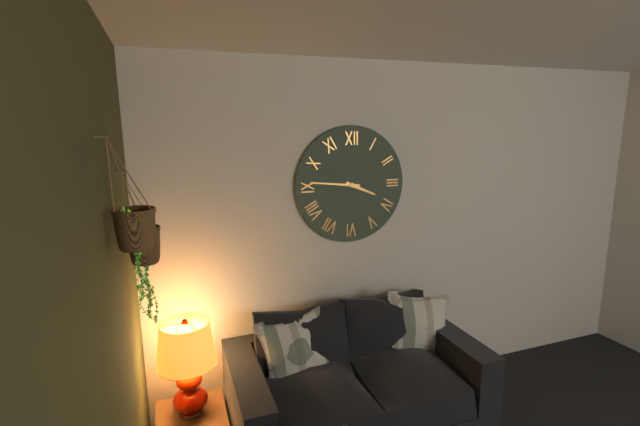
3:46
